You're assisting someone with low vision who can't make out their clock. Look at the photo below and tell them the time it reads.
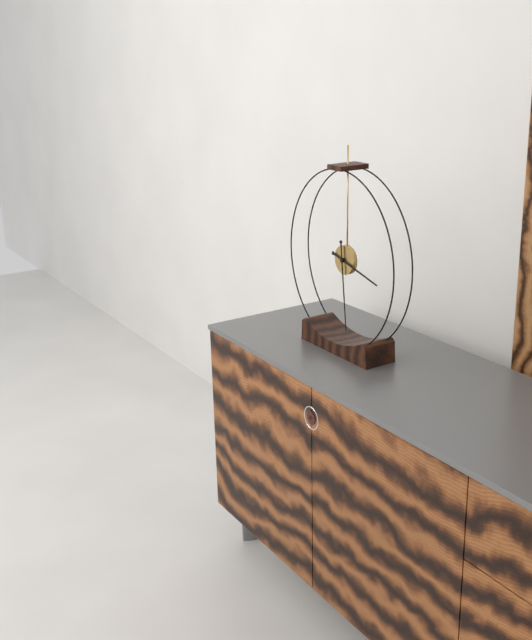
3:29
